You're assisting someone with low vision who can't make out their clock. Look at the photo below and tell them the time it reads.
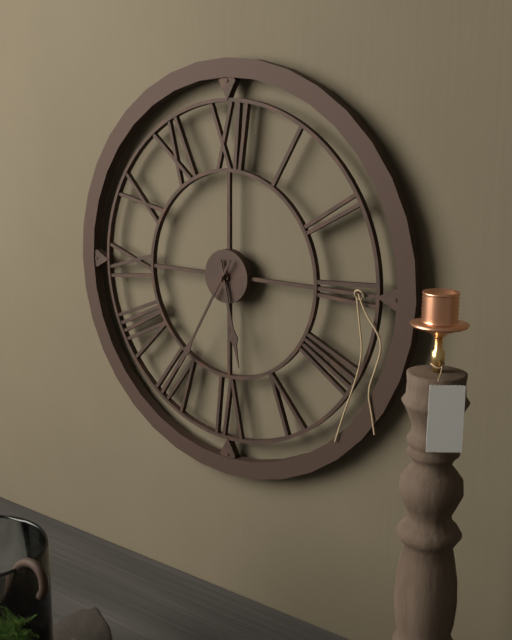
5:35
